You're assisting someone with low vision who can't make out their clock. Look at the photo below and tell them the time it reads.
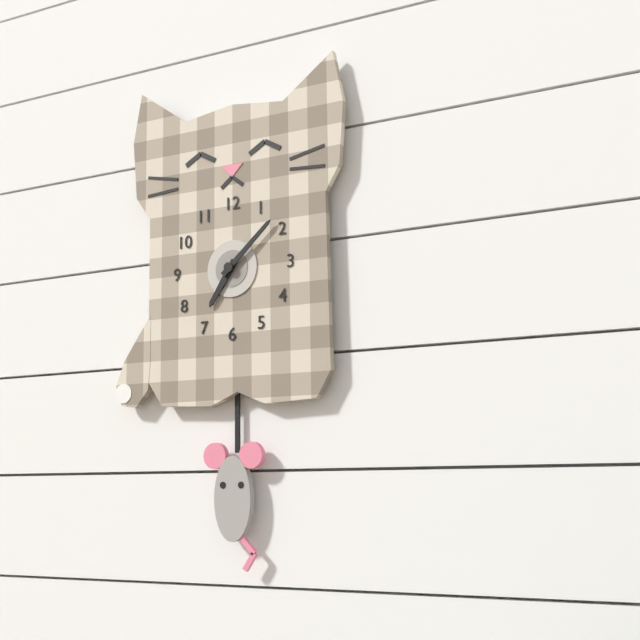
7:08
